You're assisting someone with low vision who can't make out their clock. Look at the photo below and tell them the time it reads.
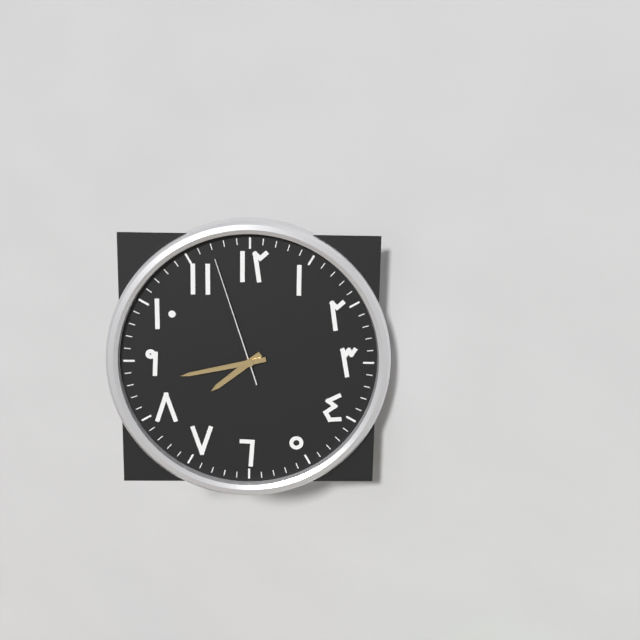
7:43:57
